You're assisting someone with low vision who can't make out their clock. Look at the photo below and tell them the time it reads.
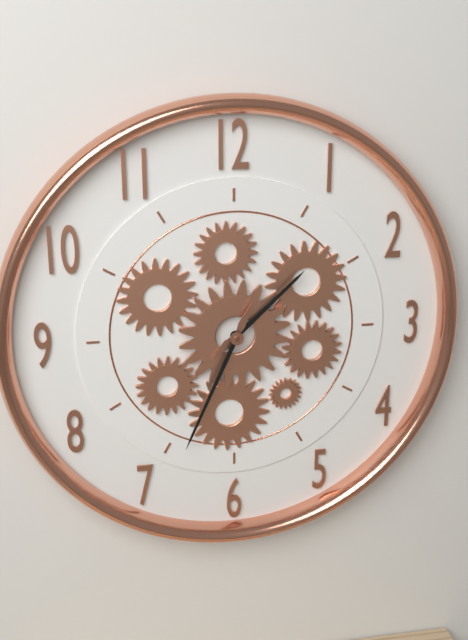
1:34
